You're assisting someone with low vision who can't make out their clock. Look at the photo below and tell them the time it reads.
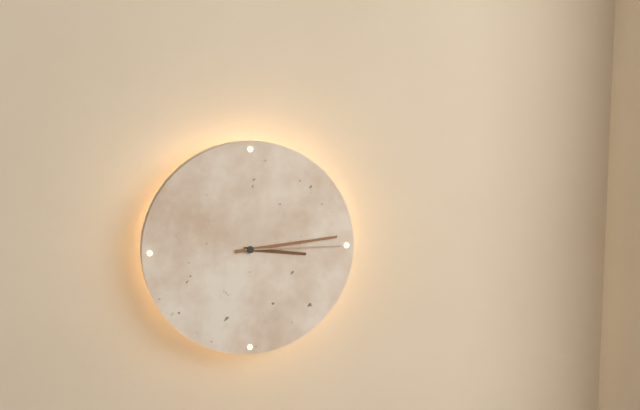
3:14:15
